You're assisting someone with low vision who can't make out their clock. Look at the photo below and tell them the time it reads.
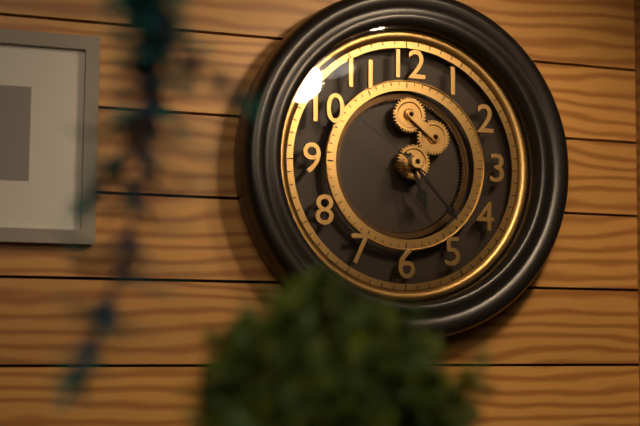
5:23:51
